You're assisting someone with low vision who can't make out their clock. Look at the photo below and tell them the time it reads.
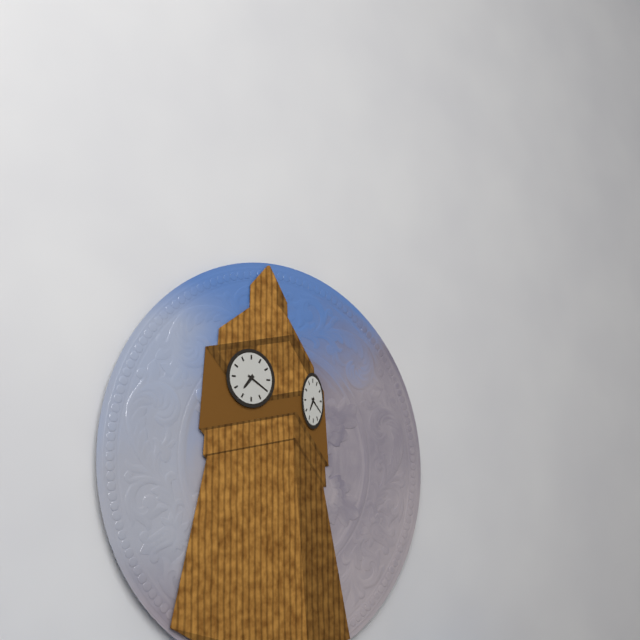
7:20
